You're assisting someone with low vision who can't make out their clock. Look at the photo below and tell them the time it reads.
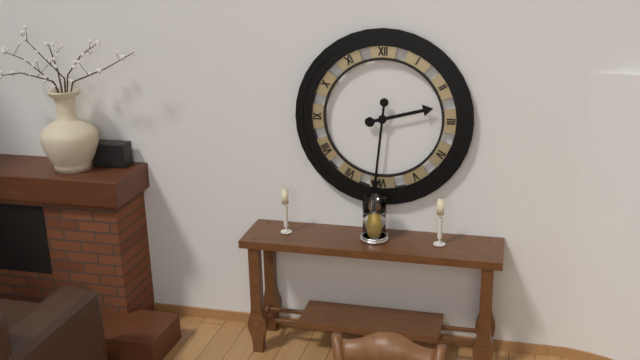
2:31
